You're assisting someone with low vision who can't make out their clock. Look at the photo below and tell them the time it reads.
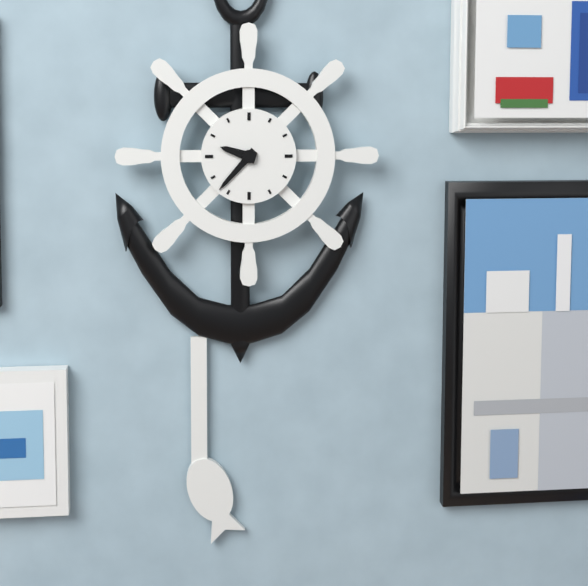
9:37
